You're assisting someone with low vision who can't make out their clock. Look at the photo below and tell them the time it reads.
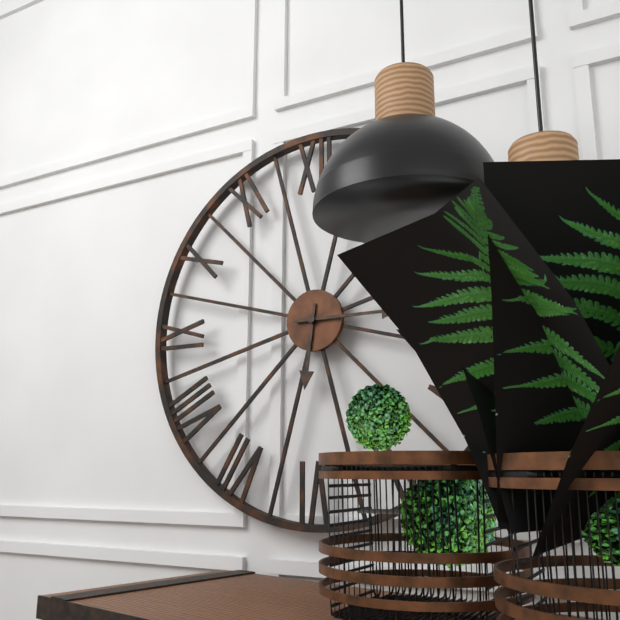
6:15
